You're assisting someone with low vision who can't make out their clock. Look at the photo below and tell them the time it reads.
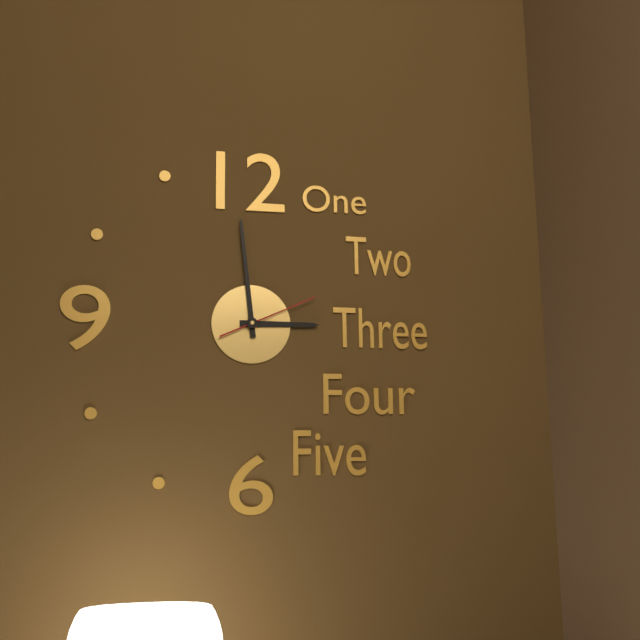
2:59:11
